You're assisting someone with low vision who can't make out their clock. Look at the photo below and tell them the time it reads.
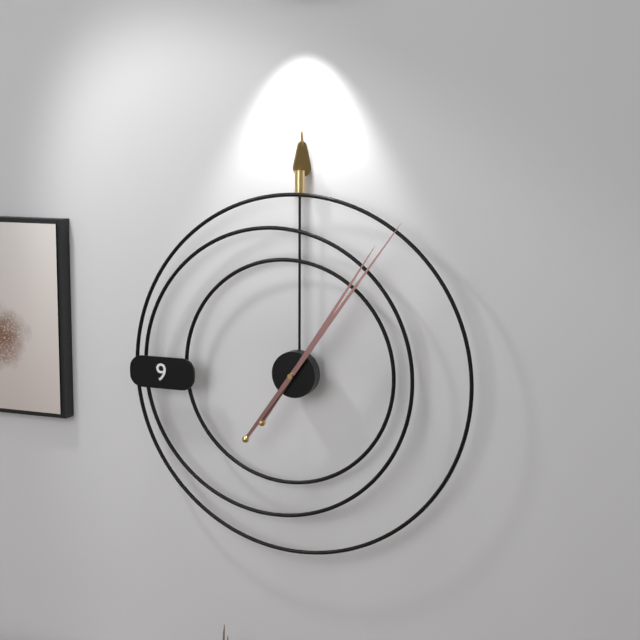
1:06
